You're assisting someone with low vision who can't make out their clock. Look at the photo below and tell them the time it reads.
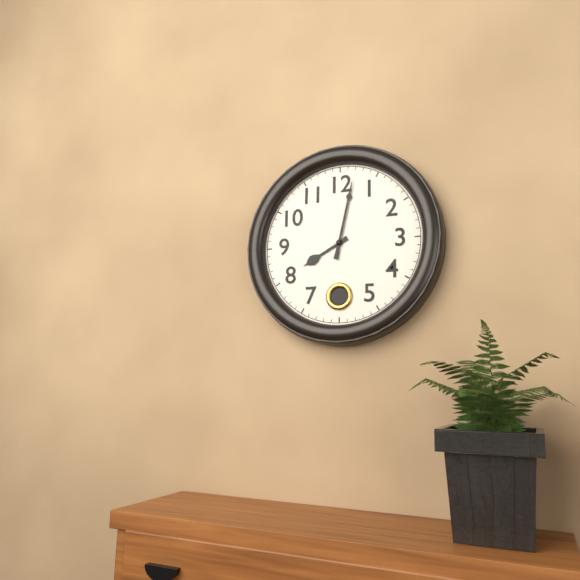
8:02
